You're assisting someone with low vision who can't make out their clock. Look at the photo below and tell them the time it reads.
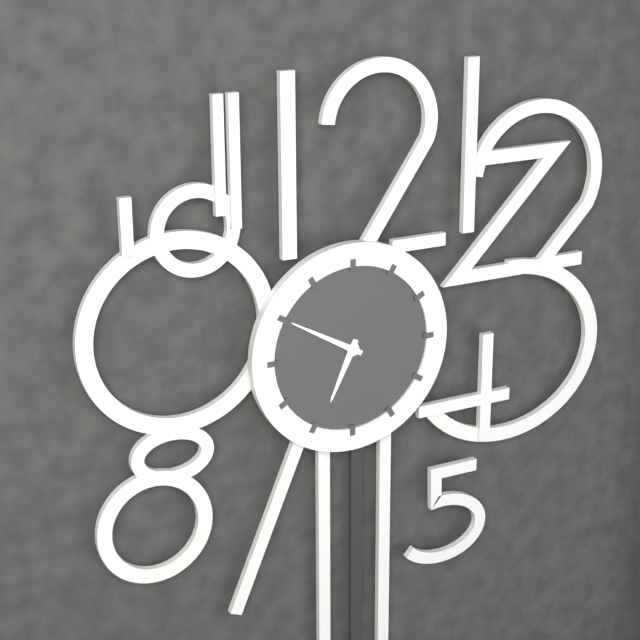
6:50
